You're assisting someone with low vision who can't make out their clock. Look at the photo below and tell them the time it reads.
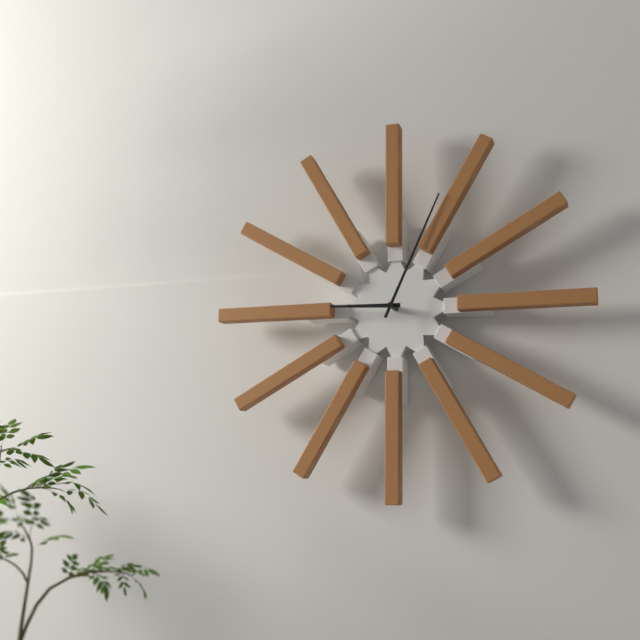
9:04
